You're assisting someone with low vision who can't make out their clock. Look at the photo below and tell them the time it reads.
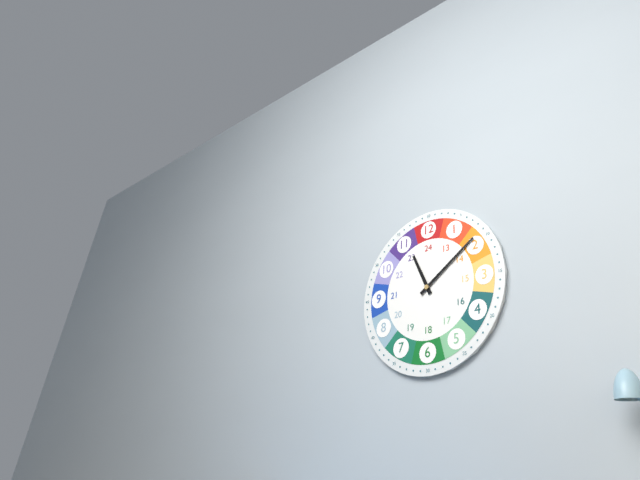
11:09
